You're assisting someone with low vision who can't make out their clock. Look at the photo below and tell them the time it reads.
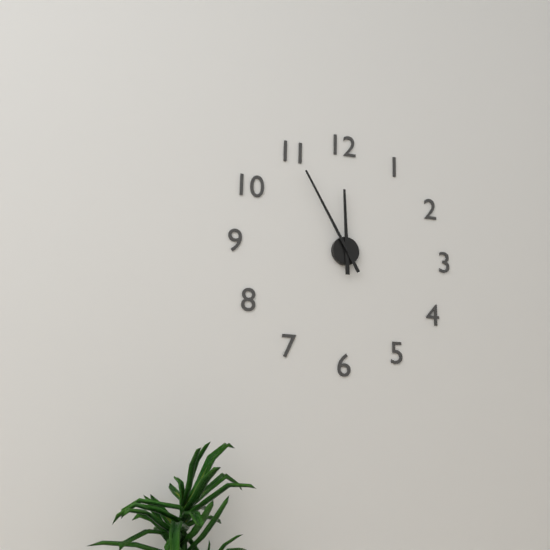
11:55
